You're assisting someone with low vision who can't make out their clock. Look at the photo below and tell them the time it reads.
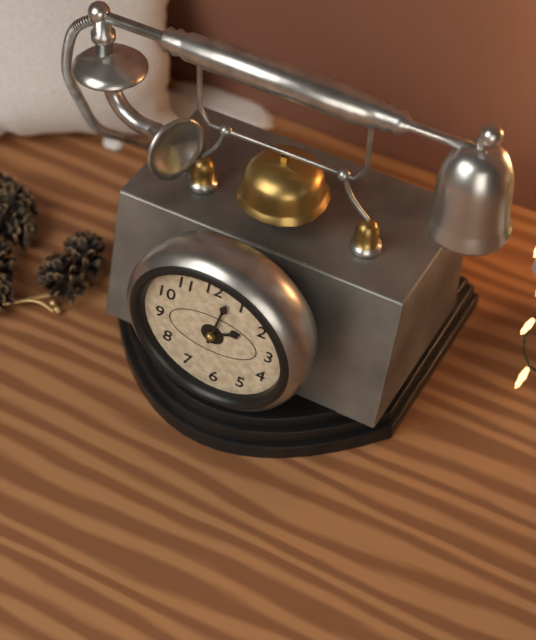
2:03
